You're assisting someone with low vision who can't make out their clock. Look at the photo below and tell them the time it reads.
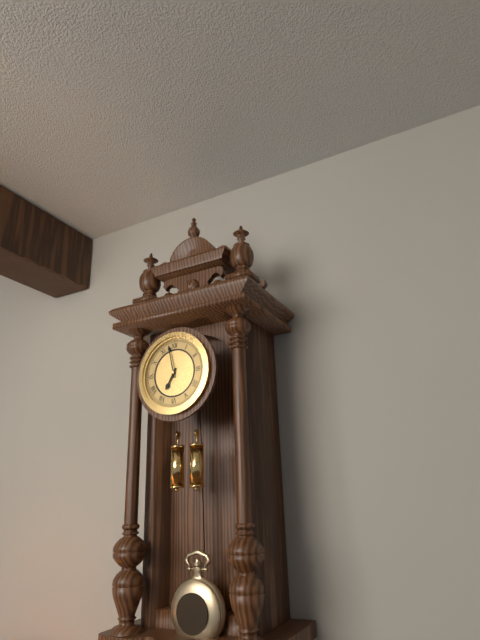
6:58
